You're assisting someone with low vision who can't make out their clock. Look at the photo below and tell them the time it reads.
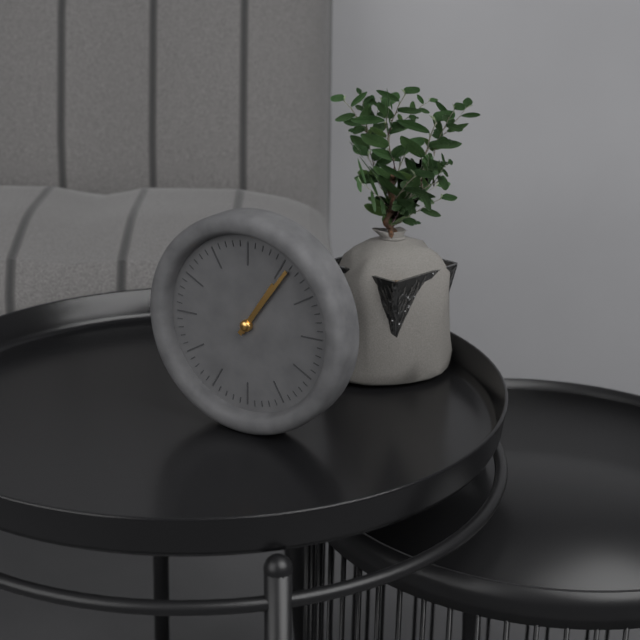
1:06
